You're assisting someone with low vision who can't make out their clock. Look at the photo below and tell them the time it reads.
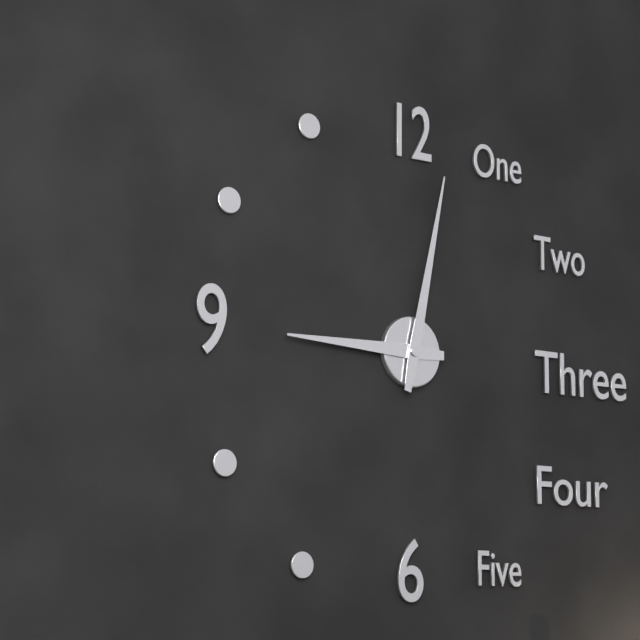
9:02
